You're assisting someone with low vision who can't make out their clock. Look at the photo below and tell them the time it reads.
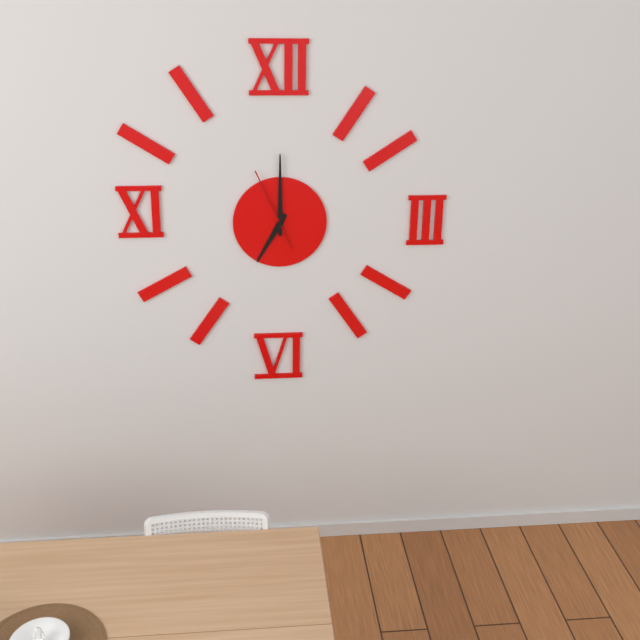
7:00:56
